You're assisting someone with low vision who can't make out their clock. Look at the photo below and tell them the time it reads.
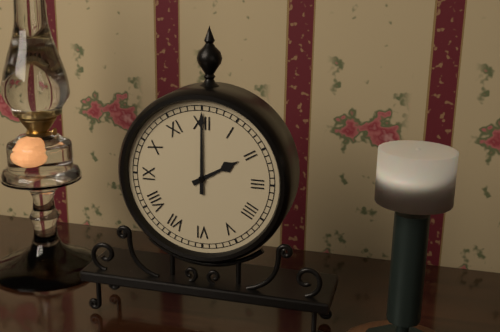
2:00
